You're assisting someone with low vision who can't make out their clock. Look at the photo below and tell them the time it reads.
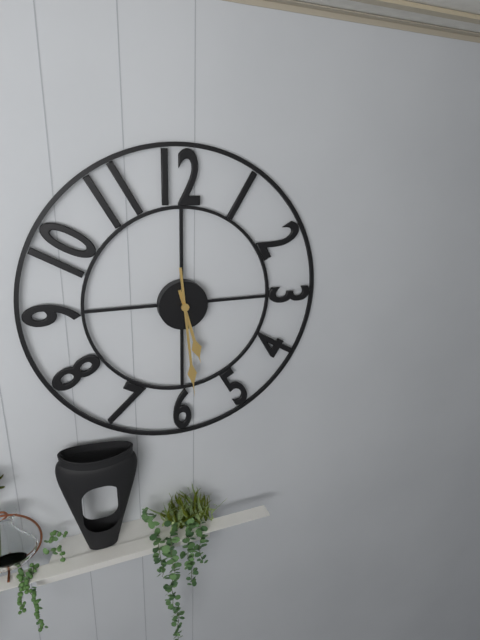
5:29
